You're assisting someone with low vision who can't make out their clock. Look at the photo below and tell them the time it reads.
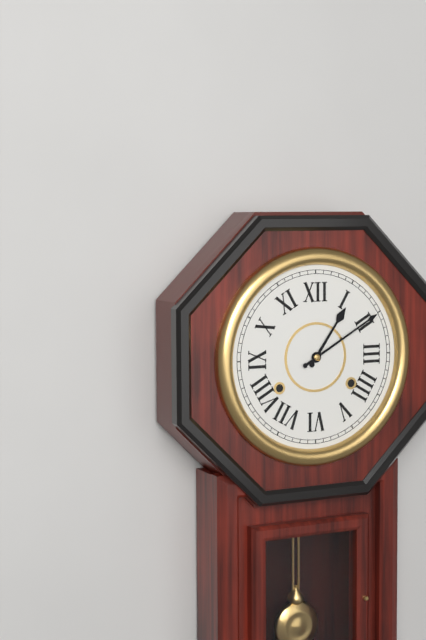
1:10
